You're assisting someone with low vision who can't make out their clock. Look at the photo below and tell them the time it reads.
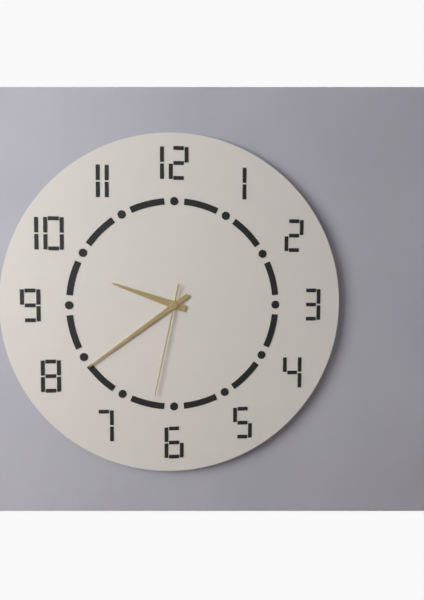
9:39:32
